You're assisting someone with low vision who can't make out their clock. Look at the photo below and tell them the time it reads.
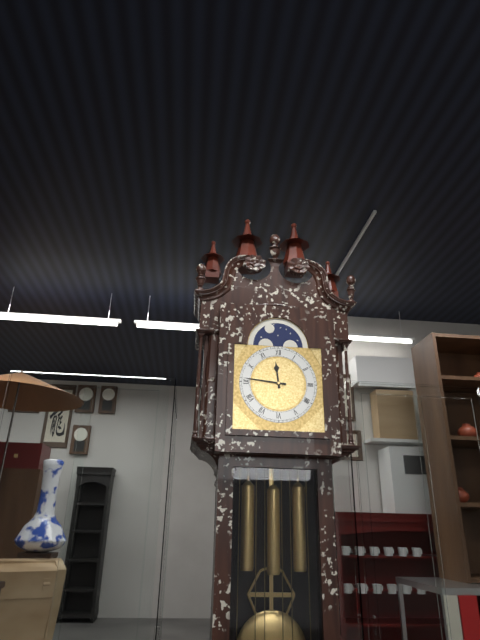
11:46
